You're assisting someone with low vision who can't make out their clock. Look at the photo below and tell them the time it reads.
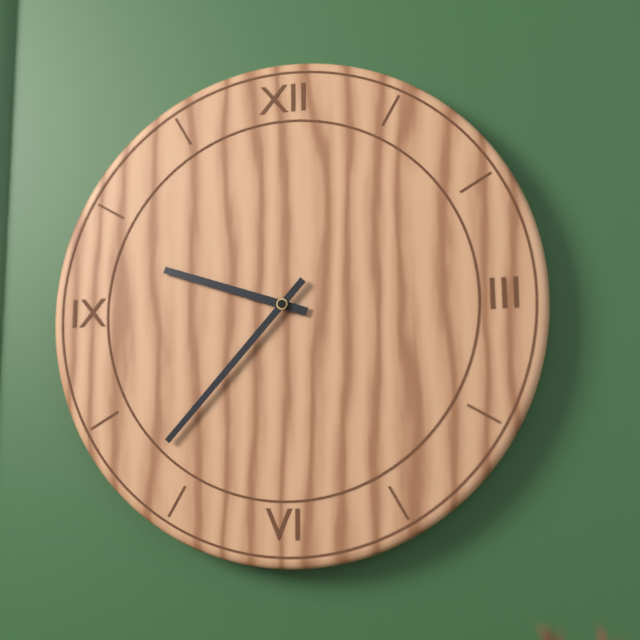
9:37
